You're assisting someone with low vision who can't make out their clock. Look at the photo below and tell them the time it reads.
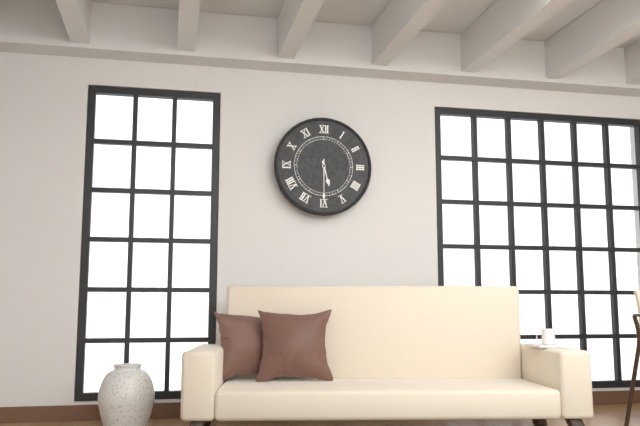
5:30
